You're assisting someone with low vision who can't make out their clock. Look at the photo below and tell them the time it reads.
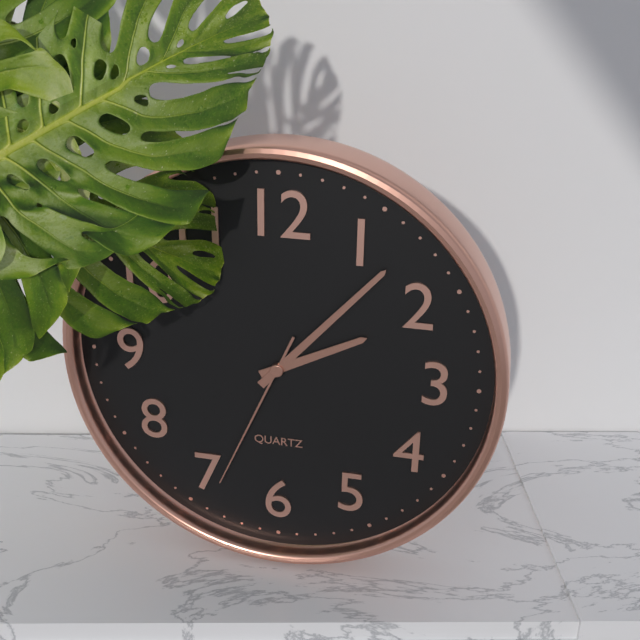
2:07:34
